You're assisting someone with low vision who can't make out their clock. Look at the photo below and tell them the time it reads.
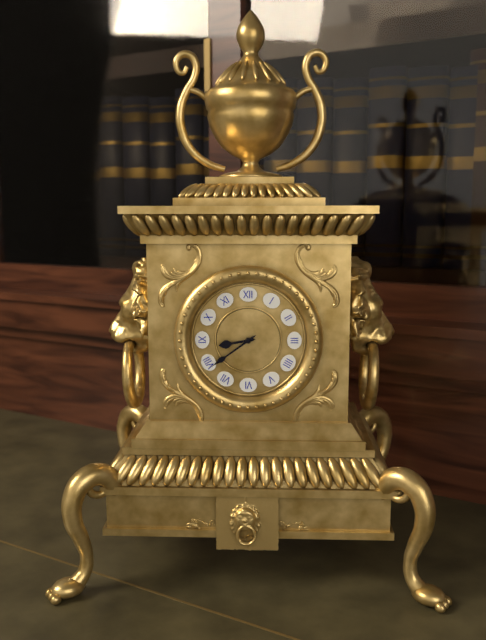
8:39
